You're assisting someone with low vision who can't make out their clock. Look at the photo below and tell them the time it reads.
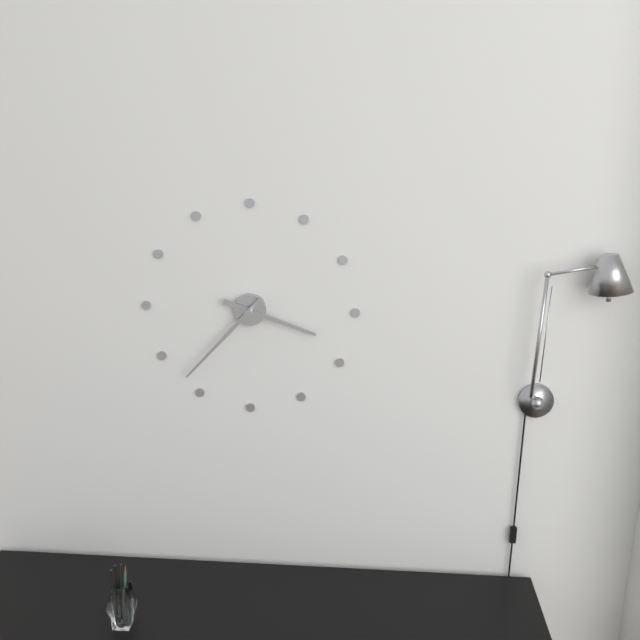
3:37
